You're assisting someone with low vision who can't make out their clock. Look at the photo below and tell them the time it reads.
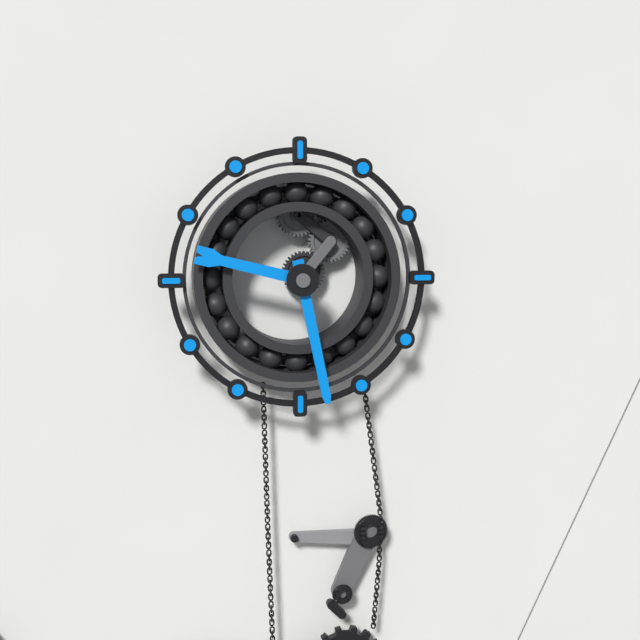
9:28
